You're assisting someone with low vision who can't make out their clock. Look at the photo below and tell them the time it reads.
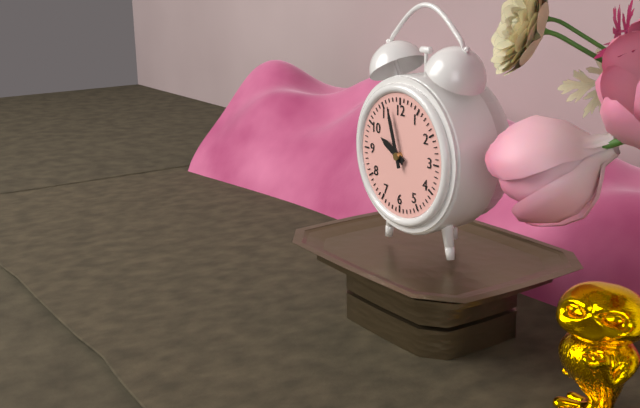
9:57
